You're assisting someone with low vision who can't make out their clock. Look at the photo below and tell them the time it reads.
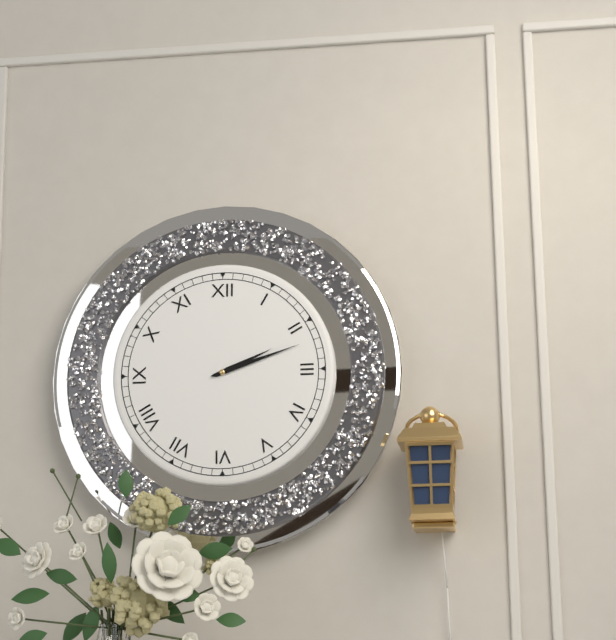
2:12
